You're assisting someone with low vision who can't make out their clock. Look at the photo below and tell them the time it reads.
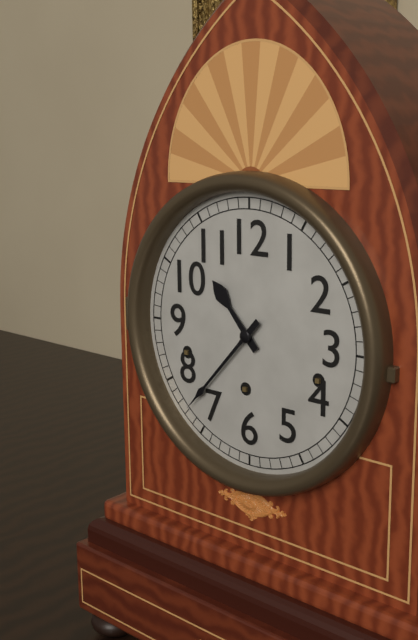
10:37
